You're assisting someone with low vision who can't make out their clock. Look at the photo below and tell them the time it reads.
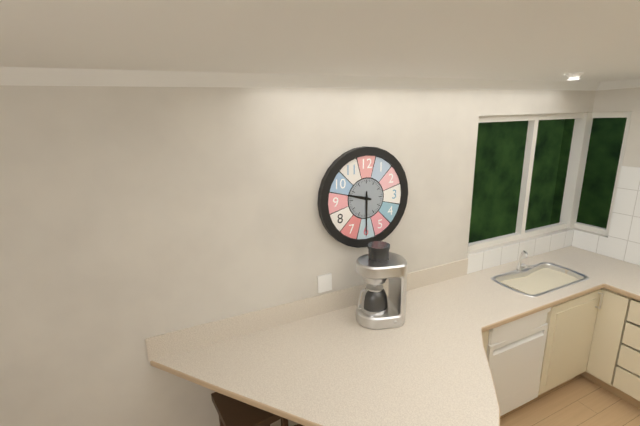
9:30
